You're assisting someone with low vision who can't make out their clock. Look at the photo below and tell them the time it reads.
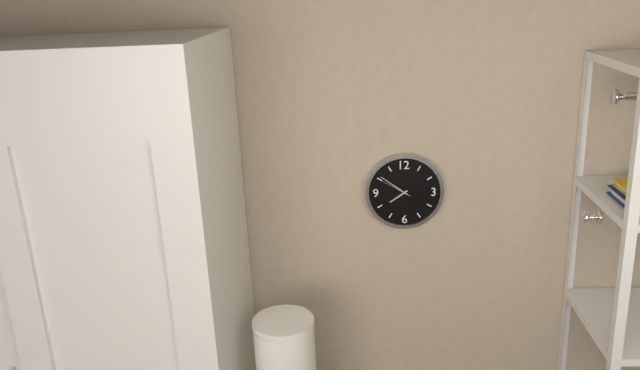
7:51
